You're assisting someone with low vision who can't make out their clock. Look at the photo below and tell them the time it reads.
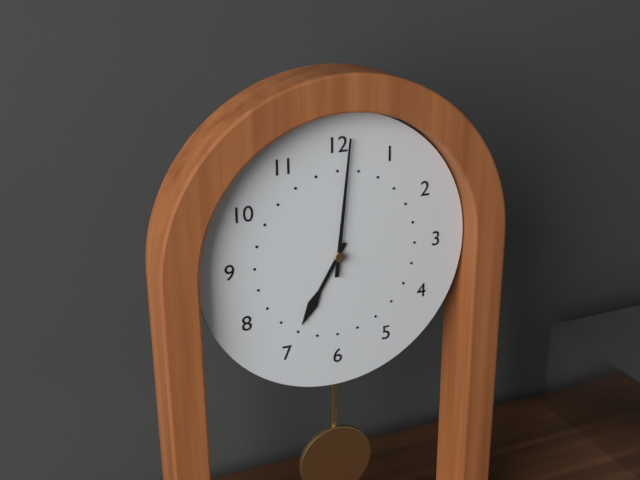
7:01
